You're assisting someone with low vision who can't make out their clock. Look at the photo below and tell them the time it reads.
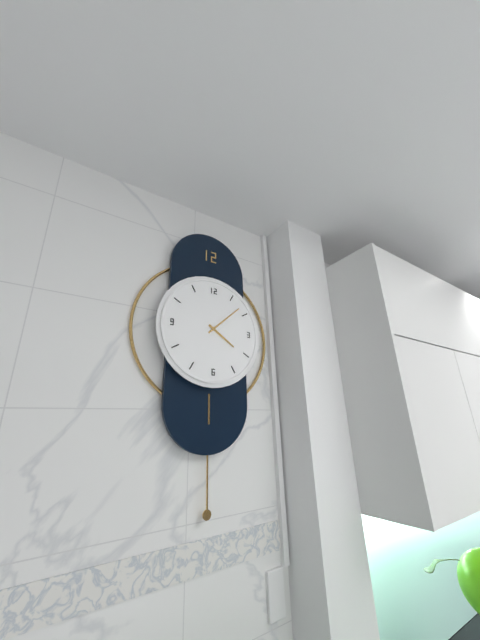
4:08
